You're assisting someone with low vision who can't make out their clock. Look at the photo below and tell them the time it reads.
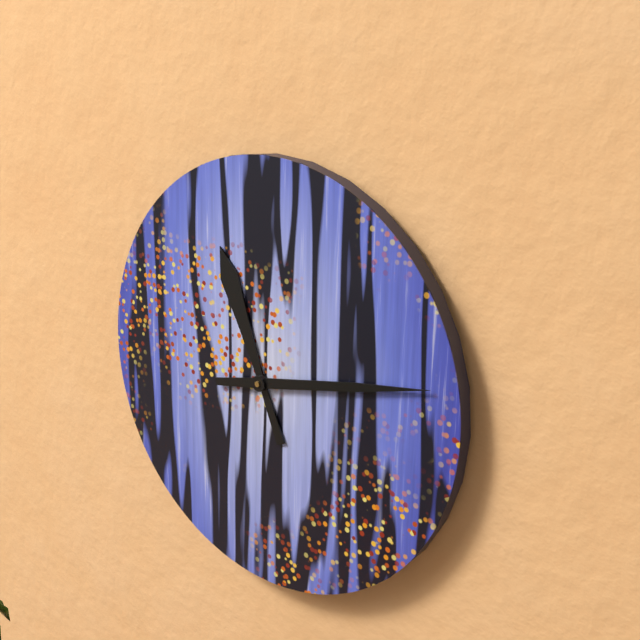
11:13
